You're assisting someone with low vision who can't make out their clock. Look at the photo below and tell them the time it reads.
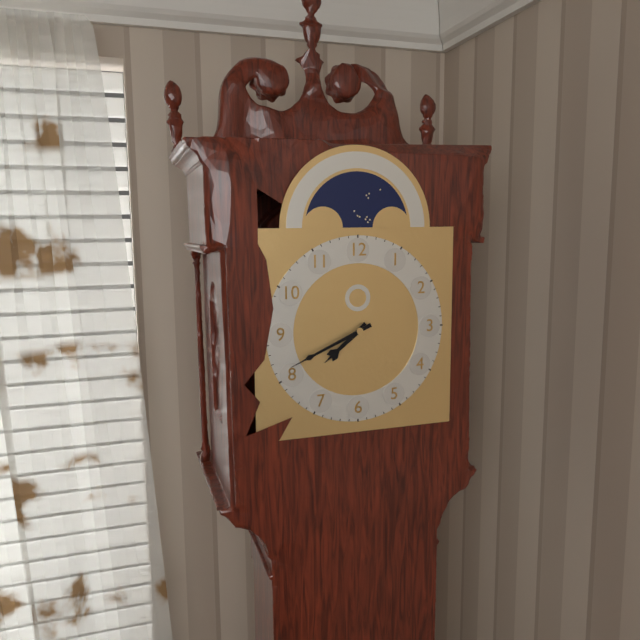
7:41
